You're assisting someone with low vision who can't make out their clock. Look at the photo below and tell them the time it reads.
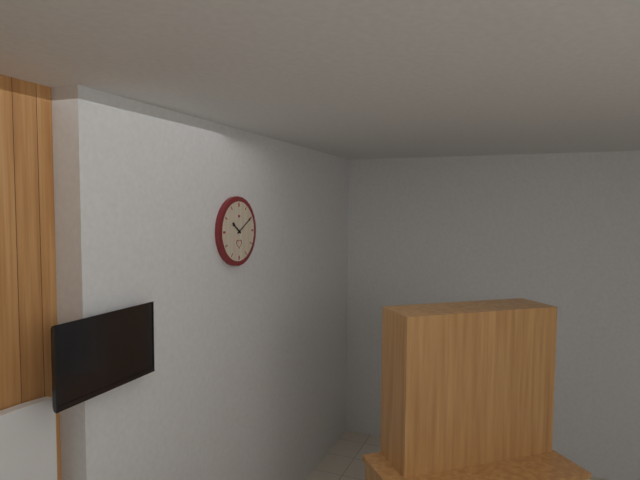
10:10
